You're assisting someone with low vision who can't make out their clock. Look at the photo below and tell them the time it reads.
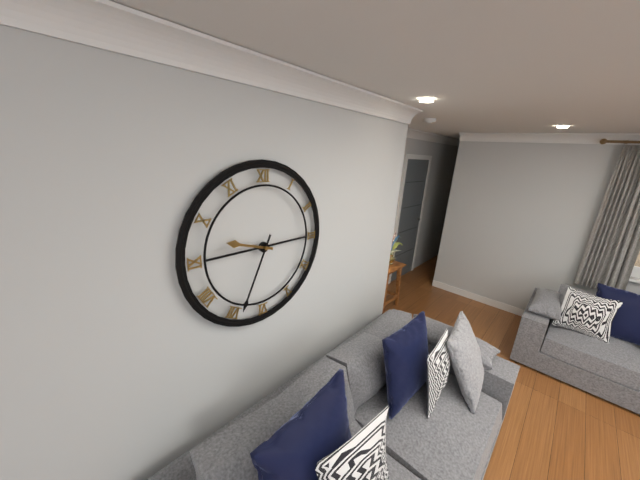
9:34
